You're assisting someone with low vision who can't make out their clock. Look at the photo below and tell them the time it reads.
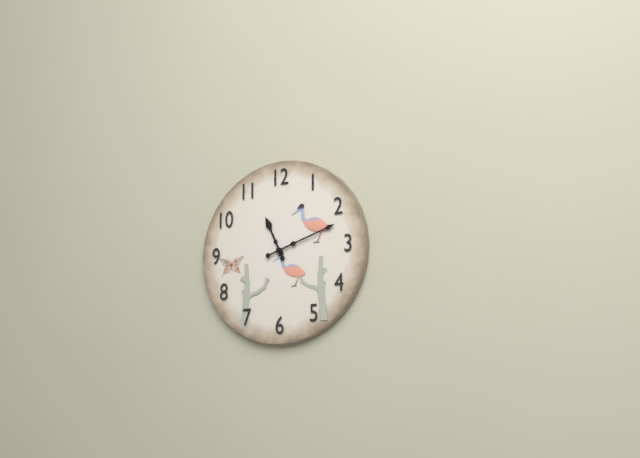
11:12
